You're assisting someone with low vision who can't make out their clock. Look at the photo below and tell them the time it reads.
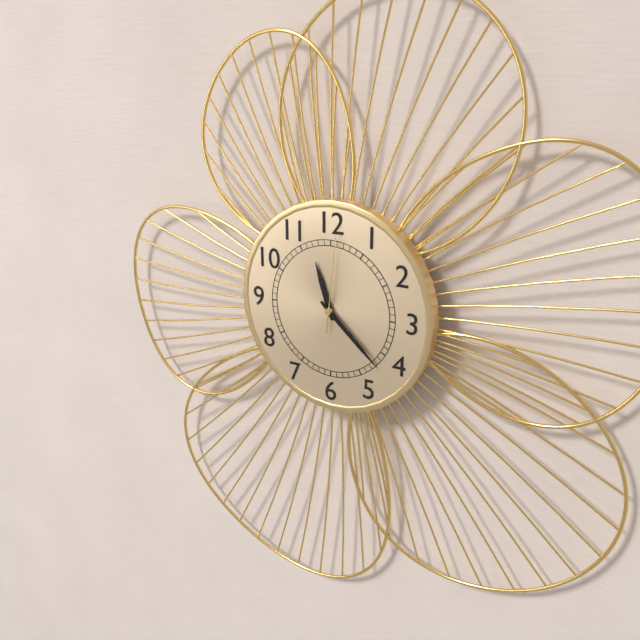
11:22:01
